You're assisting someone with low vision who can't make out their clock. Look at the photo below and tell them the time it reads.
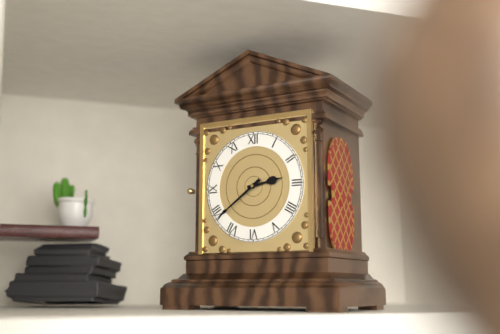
2:39
